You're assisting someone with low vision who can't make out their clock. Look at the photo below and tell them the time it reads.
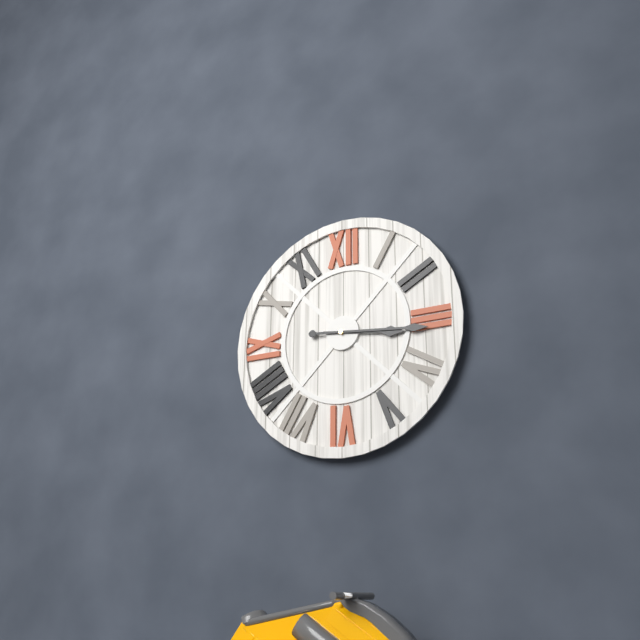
3:16
